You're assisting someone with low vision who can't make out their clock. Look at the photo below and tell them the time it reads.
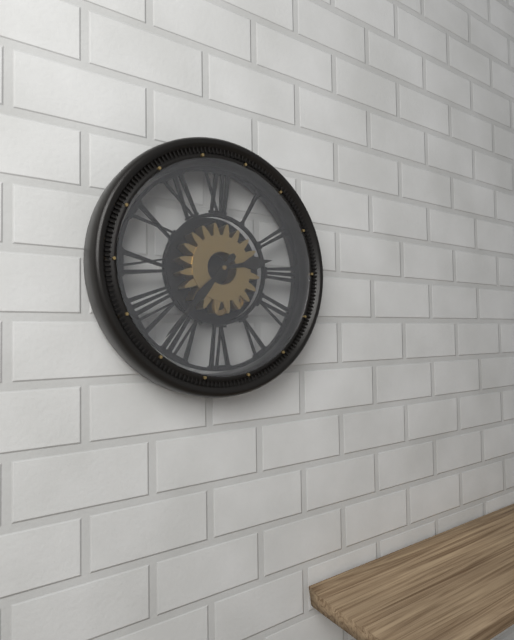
2:37
